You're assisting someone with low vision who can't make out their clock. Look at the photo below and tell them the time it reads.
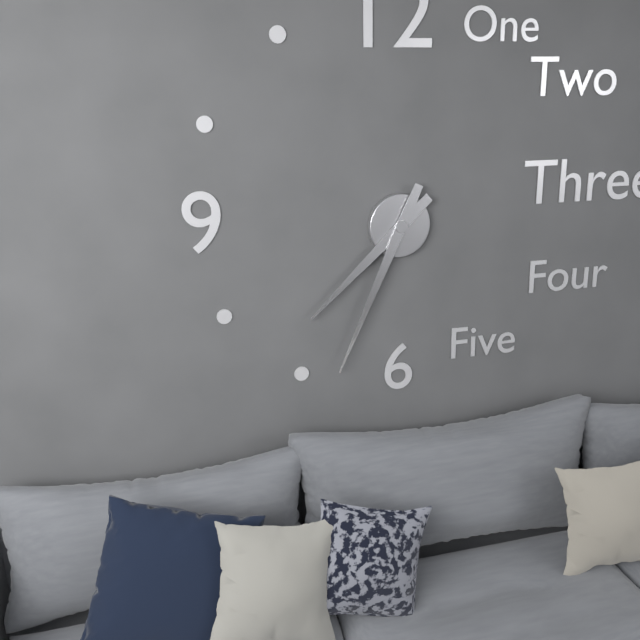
7:34
